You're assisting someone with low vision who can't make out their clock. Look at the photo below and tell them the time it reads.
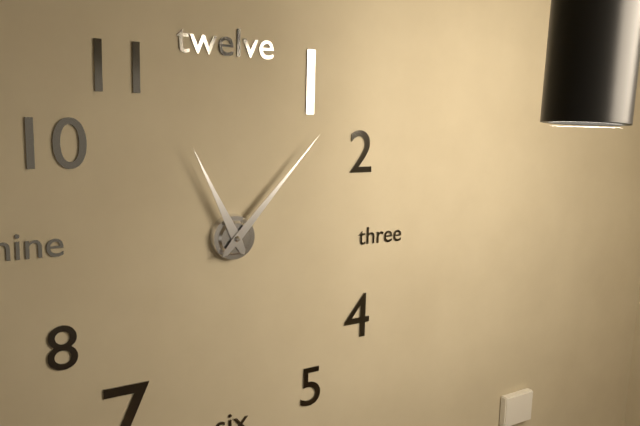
11:07
